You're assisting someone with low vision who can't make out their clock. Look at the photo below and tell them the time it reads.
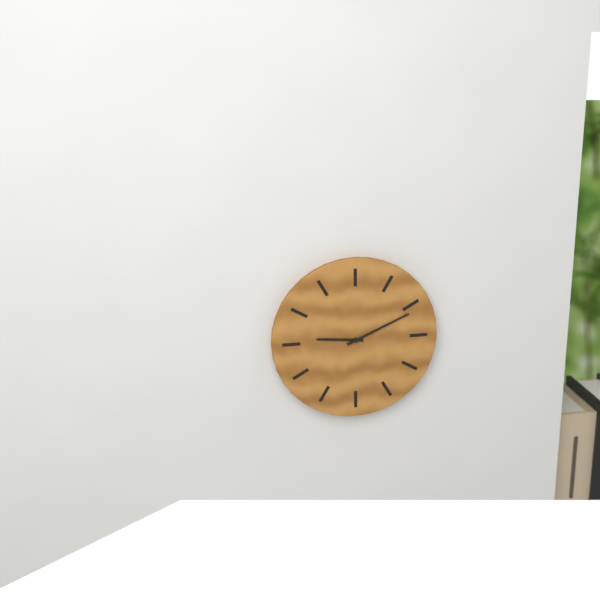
9:11
